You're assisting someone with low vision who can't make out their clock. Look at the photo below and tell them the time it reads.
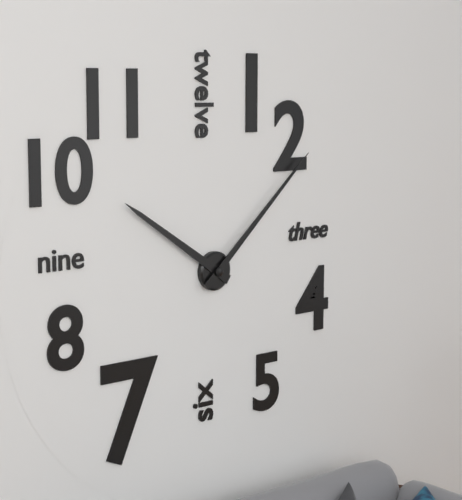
10:08
